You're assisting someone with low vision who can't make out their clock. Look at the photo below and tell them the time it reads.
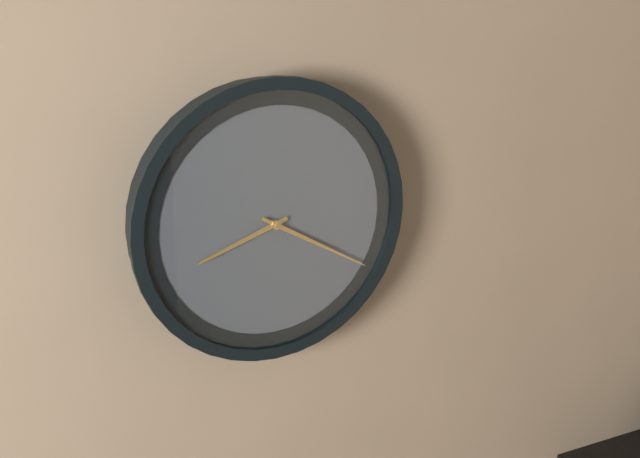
8:20
